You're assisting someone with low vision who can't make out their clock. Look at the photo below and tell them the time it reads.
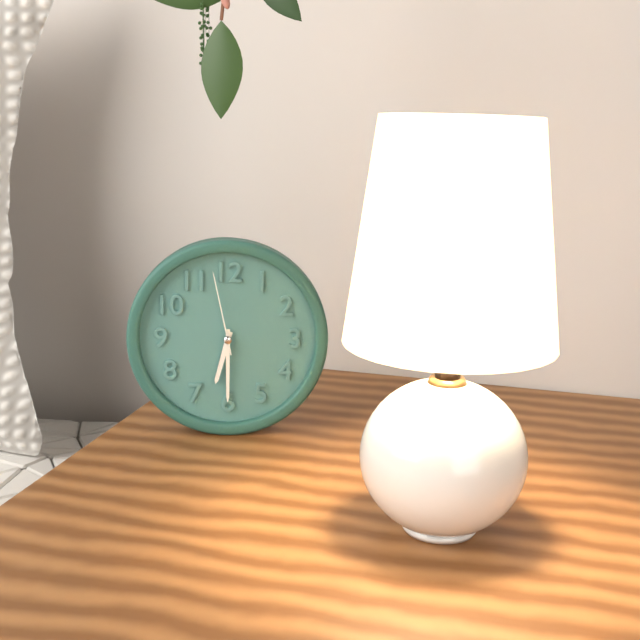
6:30:58
